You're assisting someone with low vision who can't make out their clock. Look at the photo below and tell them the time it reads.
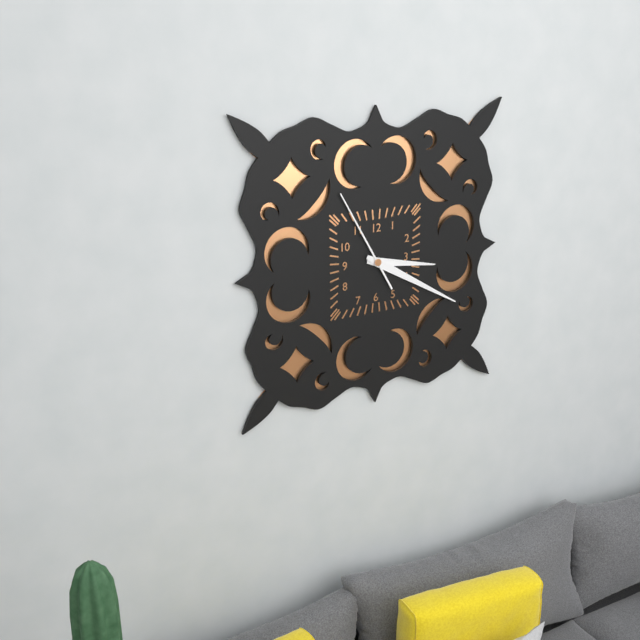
3:20:55
